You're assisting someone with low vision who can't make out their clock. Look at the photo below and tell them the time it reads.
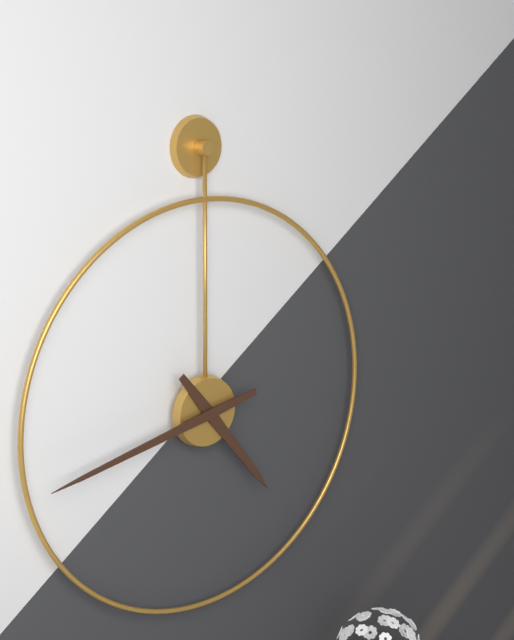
4:43
